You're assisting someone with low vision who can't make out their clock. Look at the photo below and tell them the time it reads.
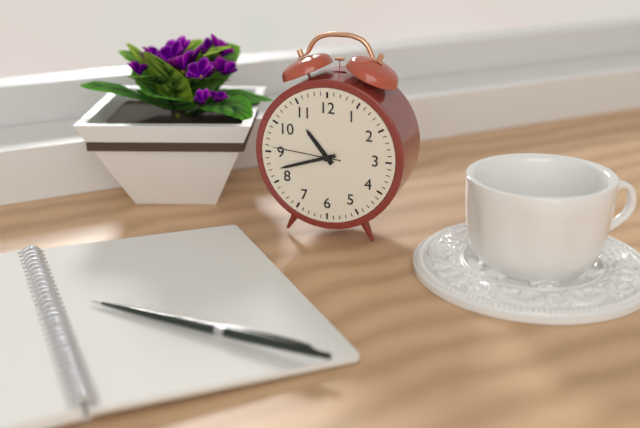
10:42:46
